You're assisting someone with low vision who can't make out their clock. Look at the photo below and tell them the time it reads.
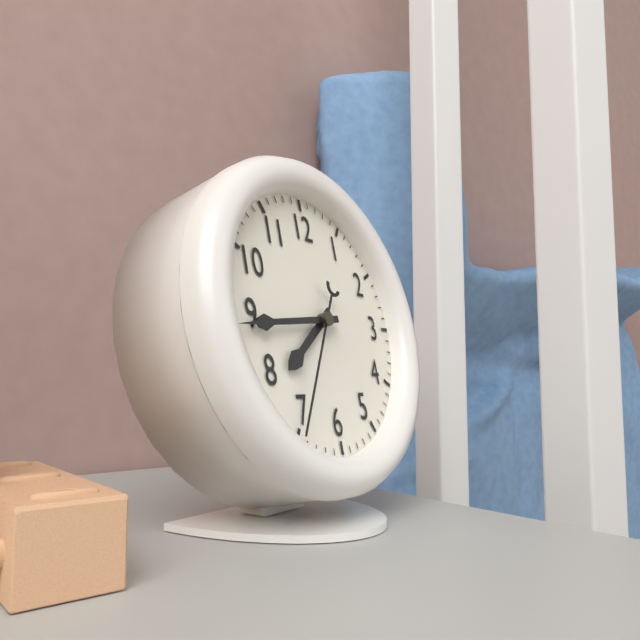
7:44:35
